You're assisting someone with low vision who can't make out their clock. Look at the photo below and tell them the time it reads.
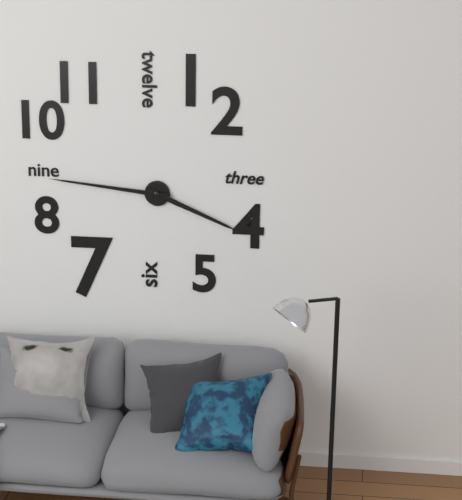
3:46
